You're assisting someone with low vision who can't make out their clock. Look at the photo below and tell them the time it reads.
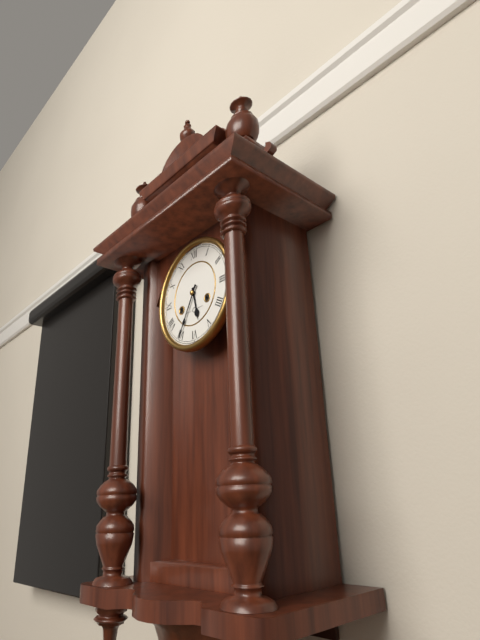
5:35
